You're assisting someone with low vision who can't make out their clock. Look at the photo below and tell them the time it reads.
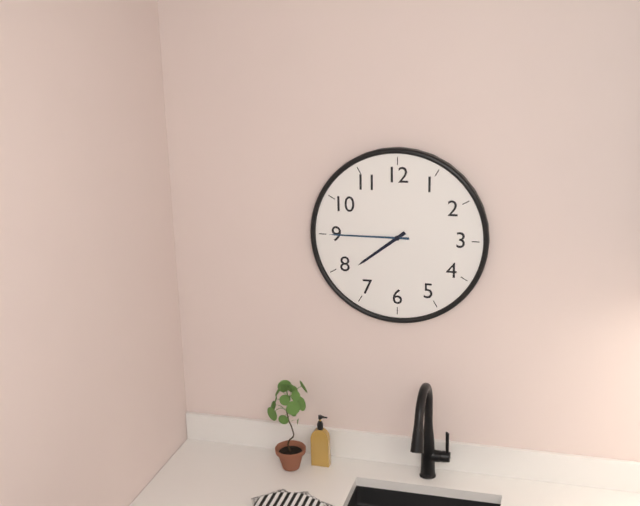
7:45
